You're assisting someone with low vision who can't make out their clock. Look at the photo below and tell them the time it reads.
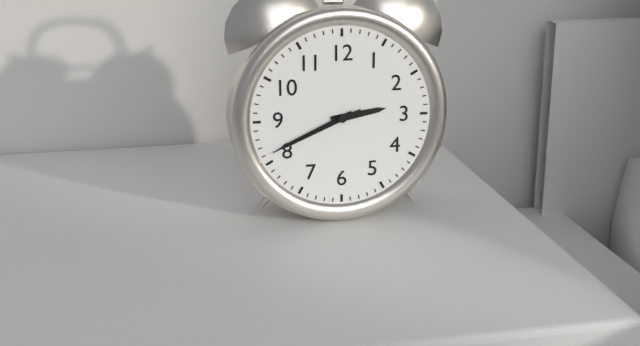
2:41:41
